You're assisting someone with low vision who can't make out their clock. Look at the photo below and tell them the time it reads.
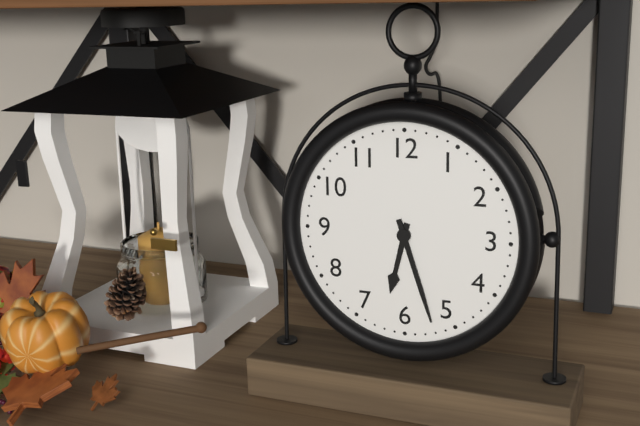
6:27
